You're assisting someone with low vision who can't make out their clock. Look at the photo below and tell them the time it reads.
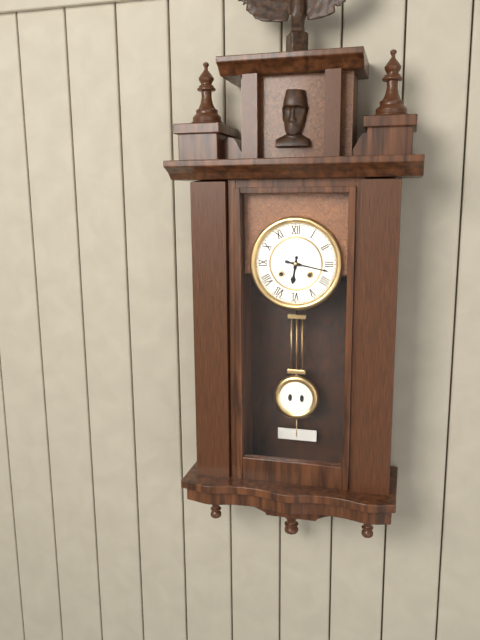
6:17
